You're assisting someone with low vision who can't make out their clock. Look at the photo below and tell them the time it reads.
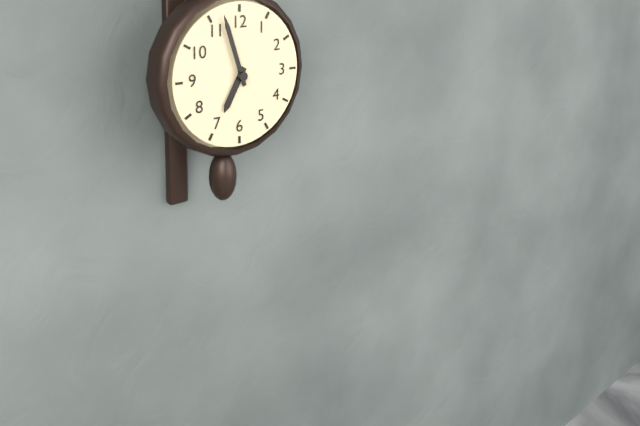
6:57
